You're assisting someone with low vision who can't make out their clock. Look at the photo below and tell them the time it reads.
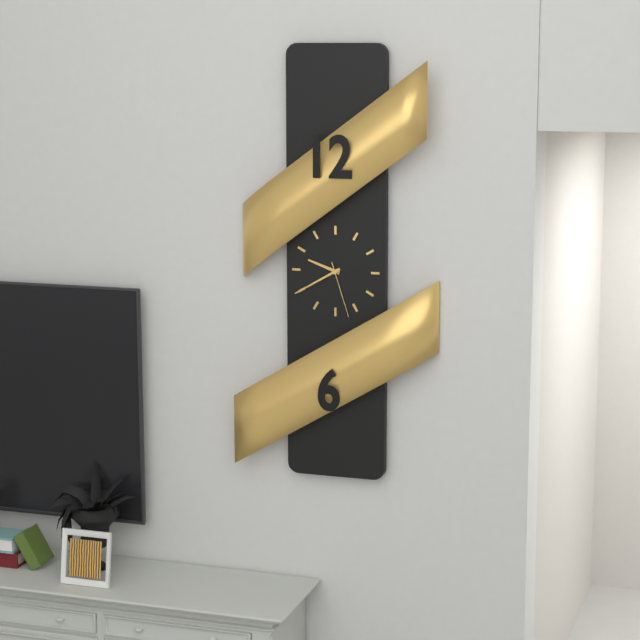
9:40:27
